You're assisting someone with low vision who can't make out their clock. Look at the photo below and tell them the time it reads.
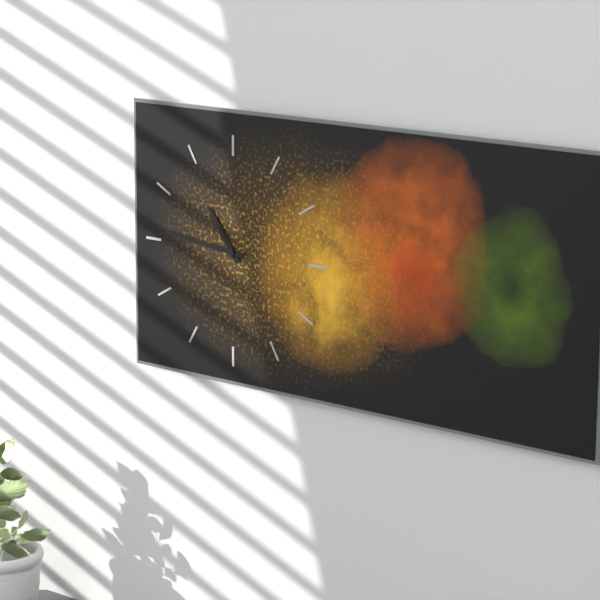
10:46
